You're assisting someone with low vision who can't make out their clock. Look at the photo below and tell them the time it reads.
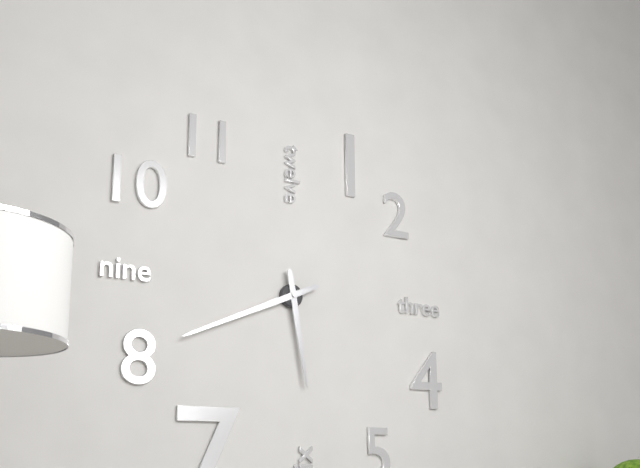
5:41
